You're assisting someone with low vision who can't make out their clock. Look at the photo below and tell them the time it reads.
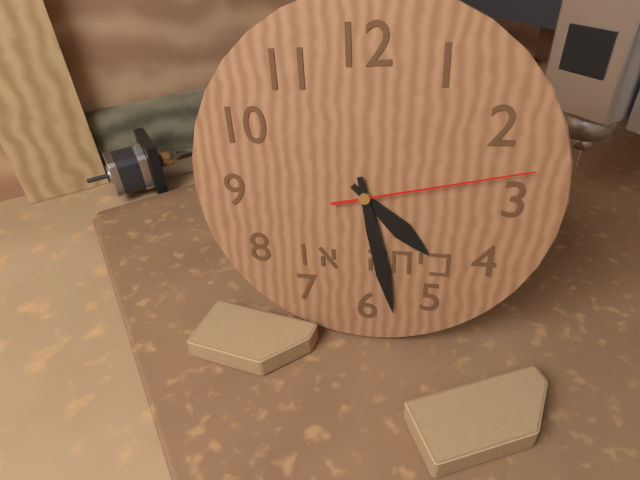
4:28:13
